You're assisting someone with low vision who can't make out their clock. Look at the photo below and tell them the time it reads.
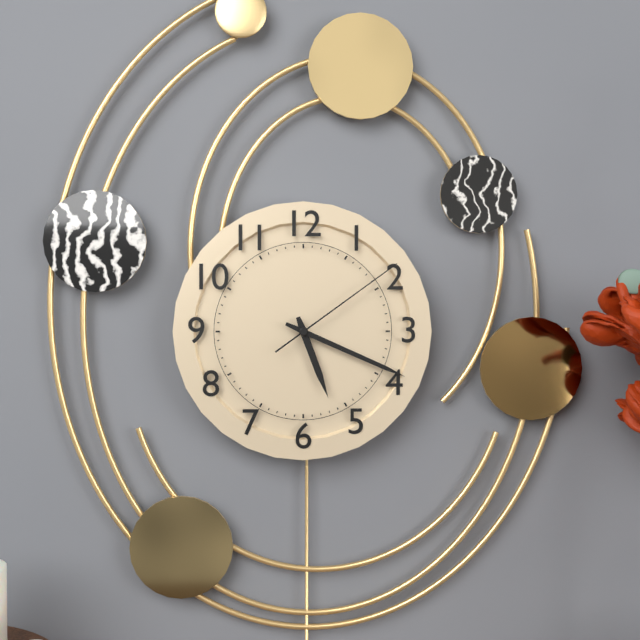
5:19:09
